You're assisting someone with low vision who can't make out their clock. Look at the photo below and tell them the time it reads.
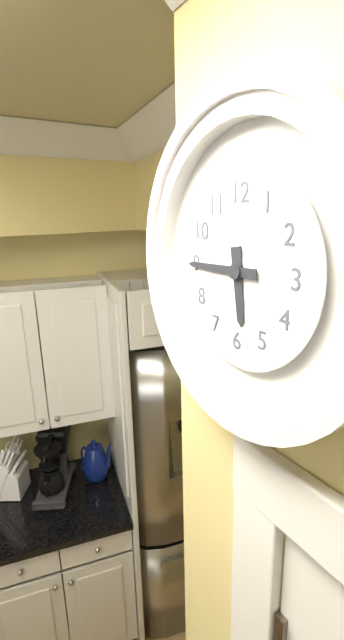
5:45
